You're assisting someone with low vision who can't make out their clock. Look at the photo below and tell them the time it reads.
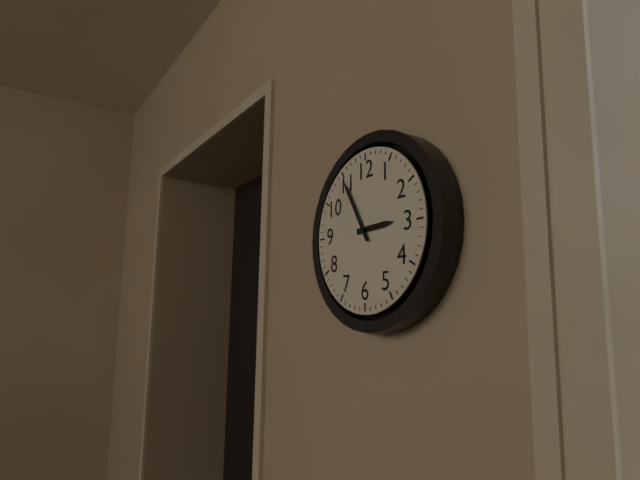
2:55
